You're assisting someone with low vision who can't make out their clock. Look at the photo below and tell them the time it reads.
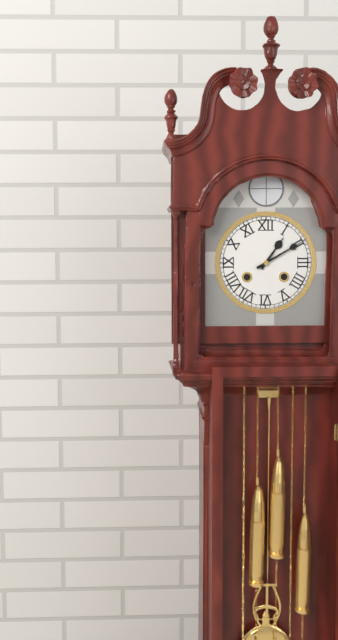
1:10
